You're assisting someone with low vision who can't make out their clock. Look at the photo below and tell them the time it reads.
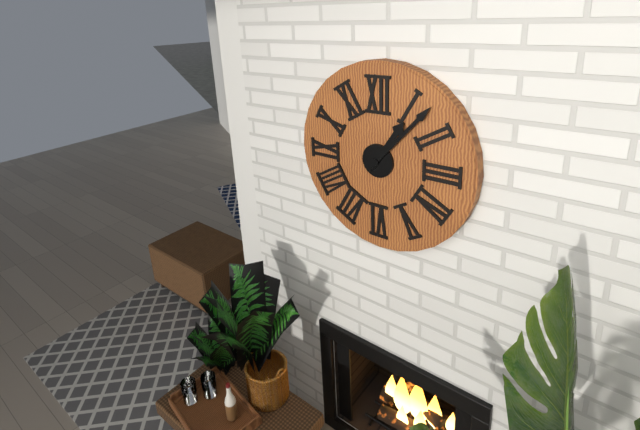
1:07
